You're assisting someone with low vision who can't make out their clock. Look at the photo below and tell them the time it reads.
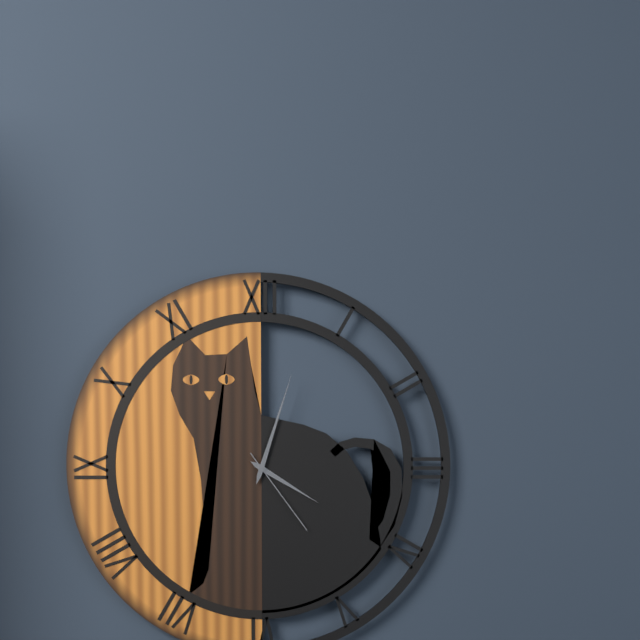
4:03:24
